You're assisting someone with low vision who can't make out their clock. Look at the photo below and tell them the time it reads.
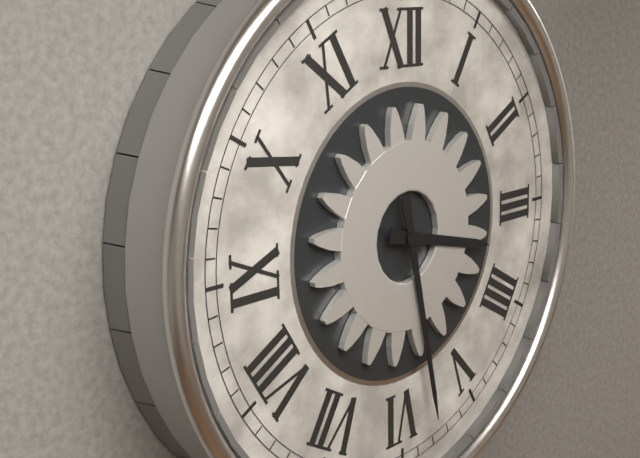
3:28
